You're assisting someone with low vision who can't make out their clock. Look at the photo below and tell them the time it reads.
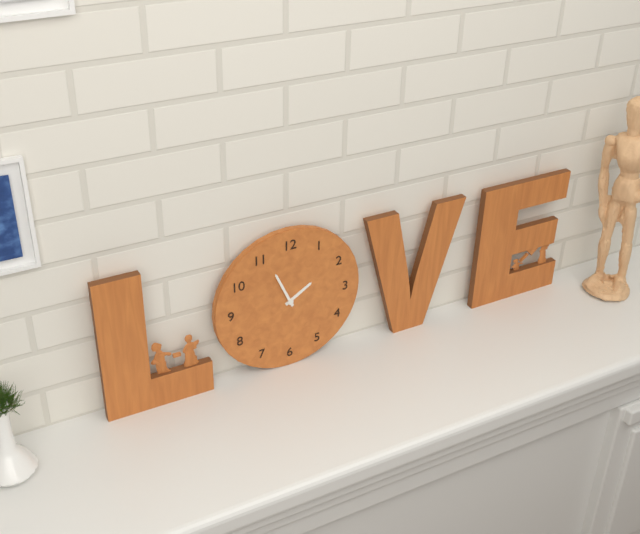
1:56
